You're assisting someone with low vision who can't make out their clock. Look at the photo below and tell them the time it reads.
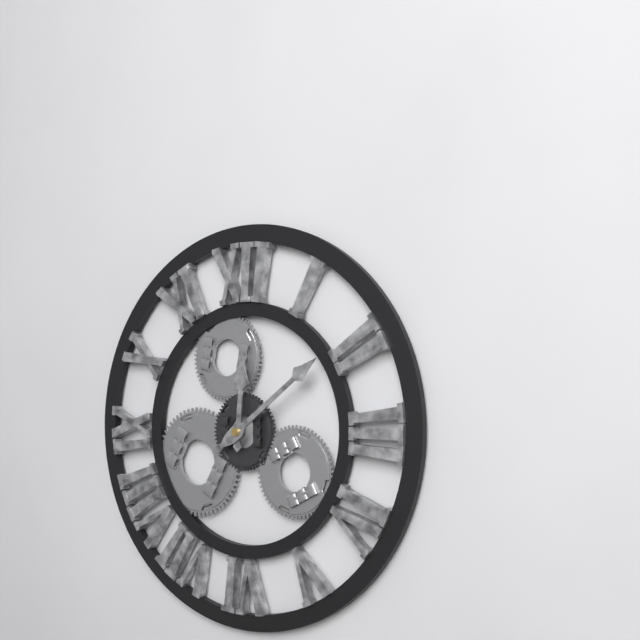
12:09
